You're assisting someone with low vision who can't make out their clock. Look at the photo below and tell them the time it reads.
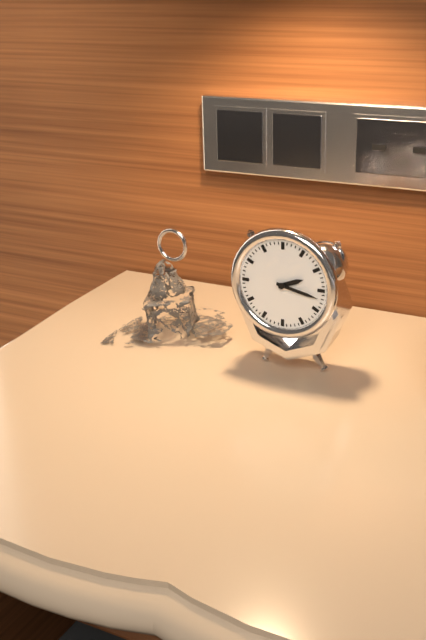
2:17
